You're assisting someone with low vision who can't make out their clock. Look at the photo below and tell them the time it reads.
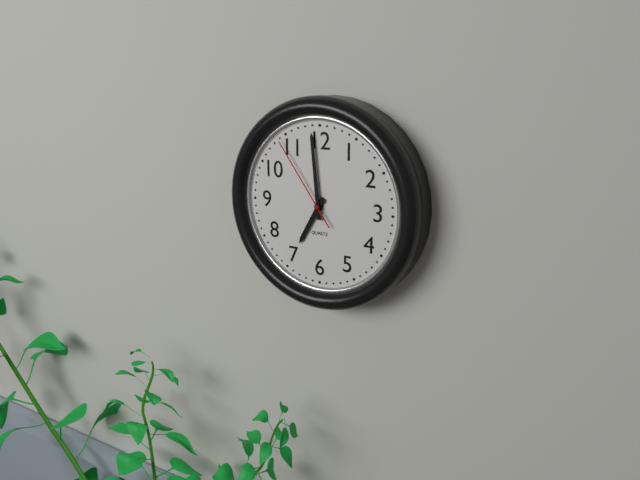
6:59:54
